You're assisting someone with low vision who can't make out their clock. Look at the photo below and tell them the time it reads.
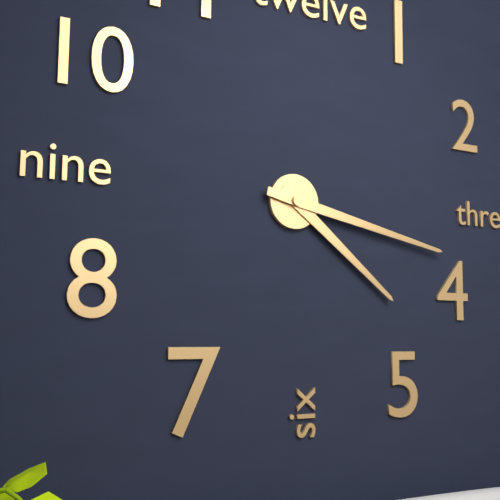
4:17
